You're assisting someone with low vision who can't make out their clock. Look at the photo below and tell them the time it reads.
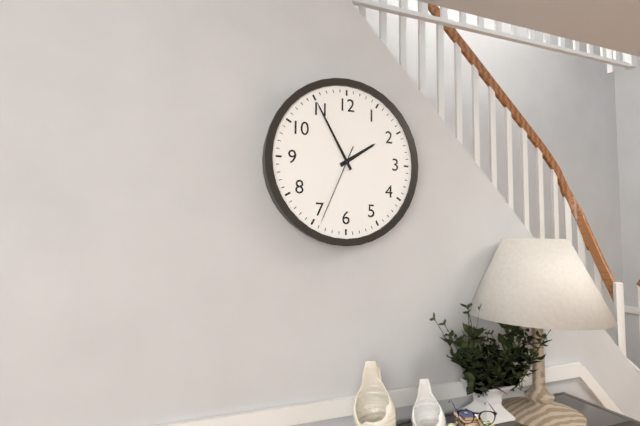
1:55:34
